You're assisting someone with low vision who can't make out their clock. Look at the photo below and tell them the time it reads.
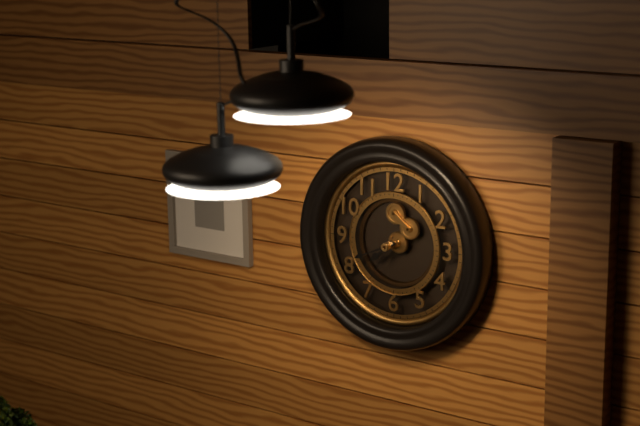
7:41
